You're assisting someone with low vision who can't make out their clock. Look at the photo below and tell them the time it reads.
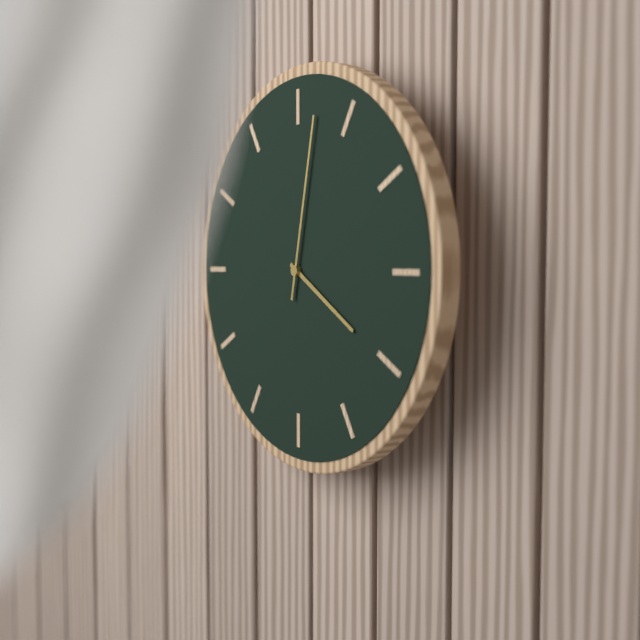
4:02
